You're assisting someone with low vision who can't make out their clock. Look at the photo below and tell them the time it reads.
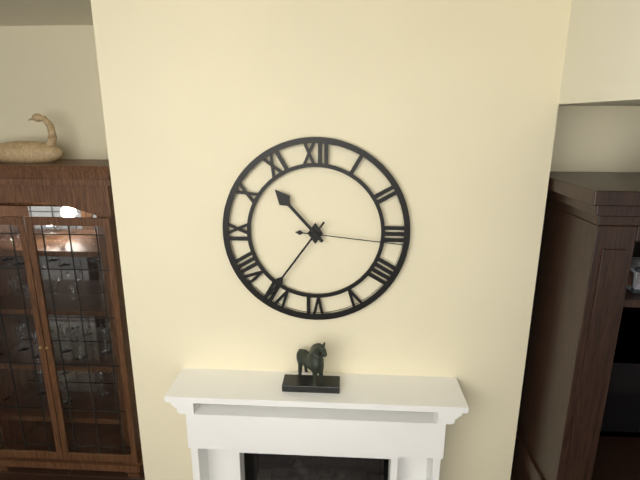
10:36:16
